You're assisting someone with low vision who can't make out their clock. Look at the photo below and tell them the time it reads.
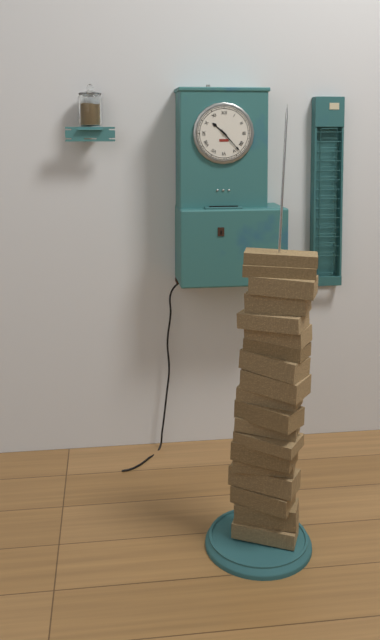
10:23
